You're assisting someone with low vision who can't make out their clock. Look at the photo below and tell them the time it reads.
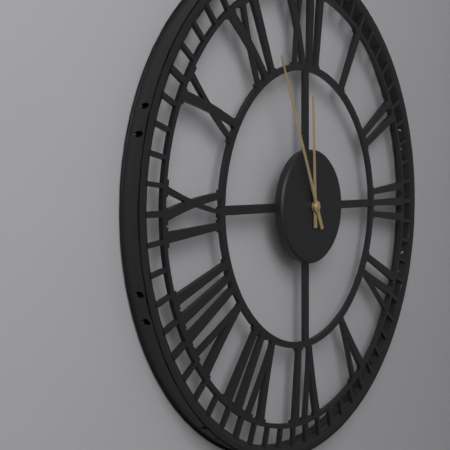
11:56
